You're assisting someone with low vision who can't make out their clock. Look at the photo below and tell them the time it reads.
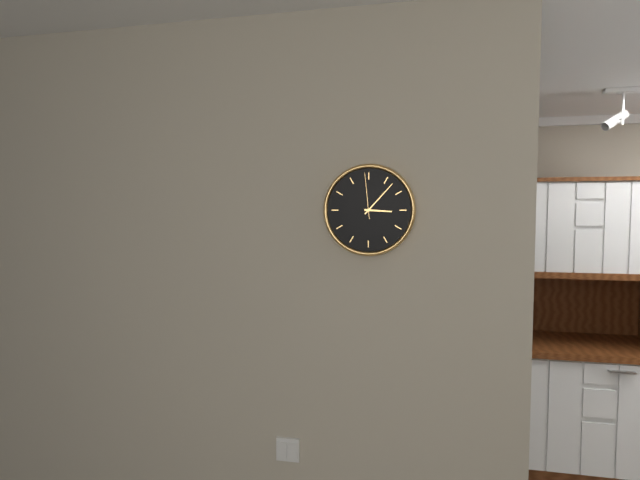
3:07
